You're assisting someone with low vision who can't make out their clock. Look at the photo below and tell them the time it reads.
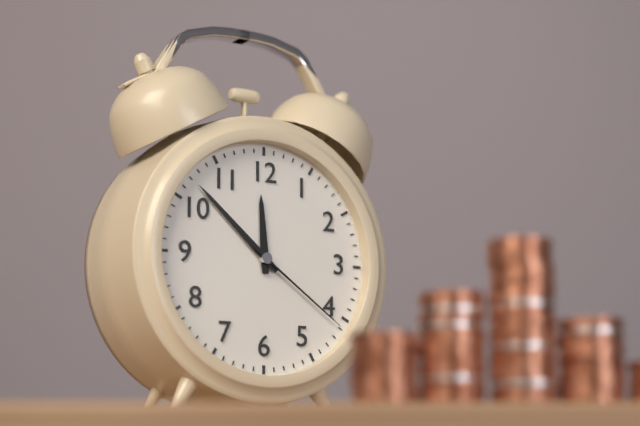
11:52:21
